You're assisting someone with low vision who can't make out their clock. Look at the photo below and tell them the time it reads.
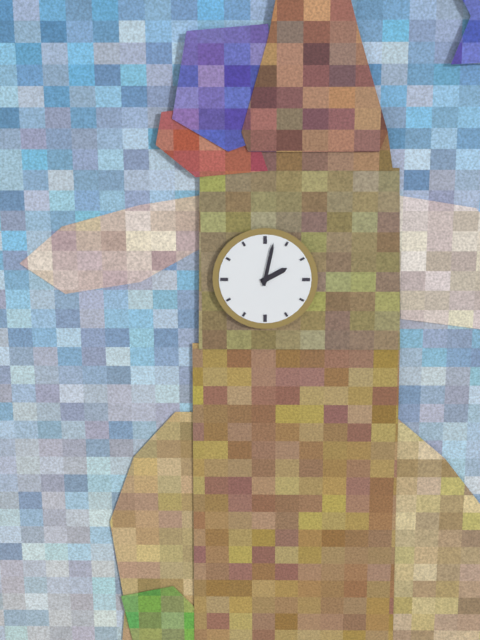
2:02
